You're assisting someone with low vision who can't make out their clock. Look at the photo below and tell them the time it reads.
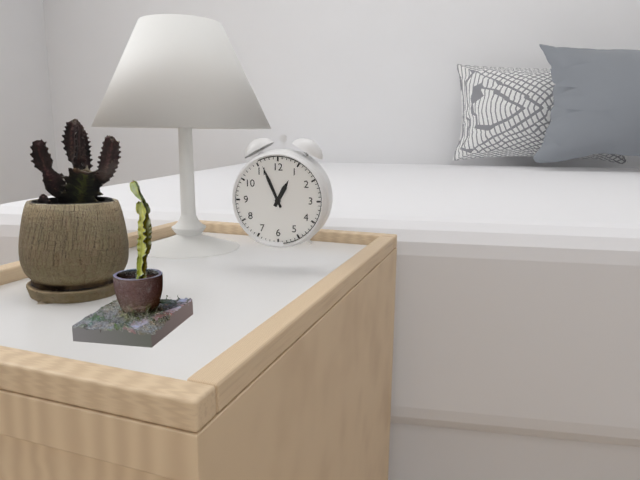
12:56
